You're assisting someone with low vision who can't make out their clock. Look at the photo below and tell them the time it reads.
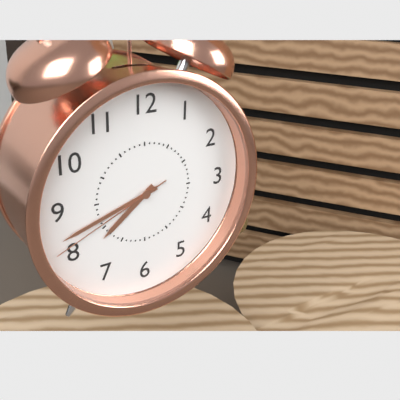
7:42:41
